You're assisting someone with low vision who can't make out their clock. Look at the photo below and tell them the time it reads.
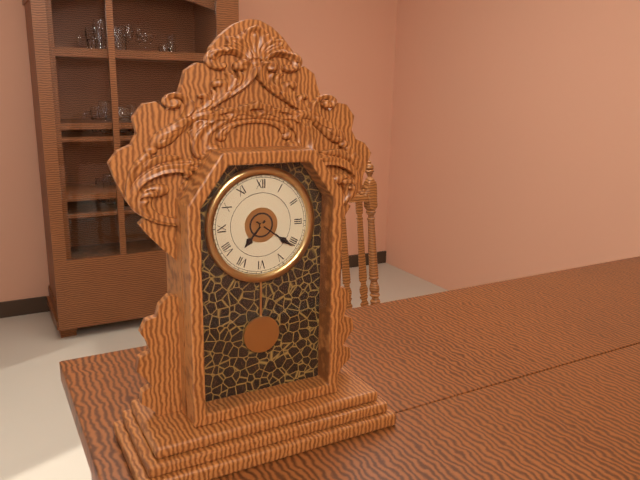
7:21
